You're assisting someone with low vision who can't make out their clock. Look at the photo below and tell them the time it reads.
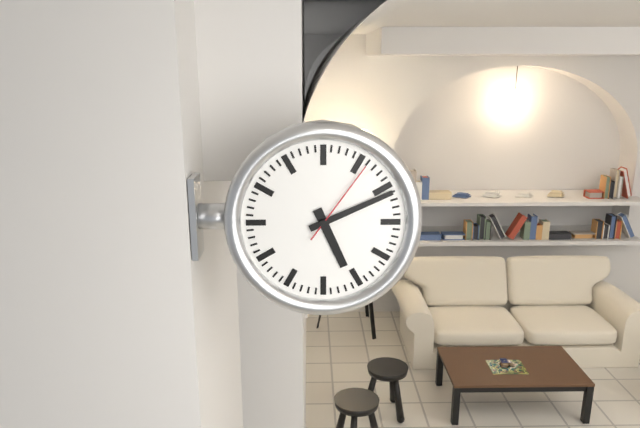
5:11:06
